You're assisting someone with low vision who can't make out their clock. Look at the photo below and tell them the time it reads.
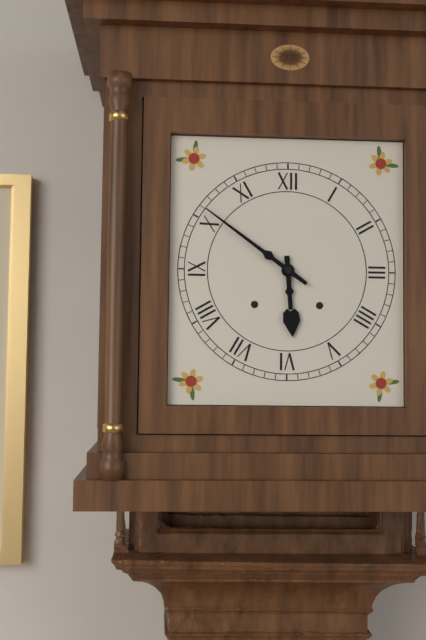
5:51
